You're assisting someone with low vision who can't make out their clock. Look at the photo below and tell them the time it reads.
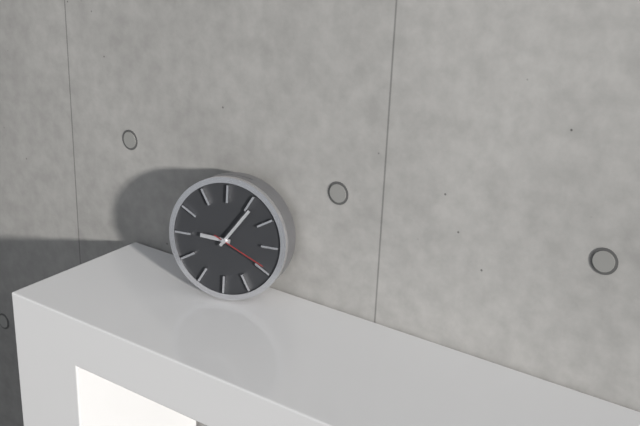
9:06:19
